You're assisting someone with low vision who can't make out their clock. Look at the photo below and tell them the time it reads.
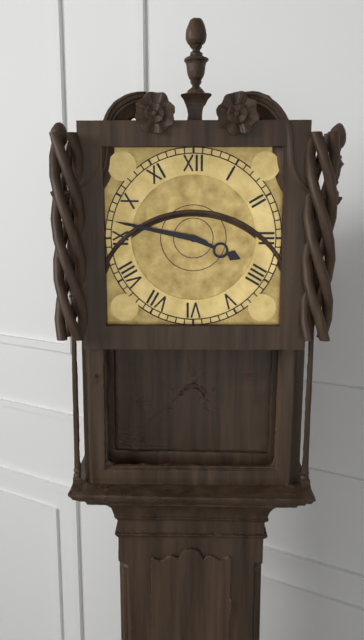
3:47
